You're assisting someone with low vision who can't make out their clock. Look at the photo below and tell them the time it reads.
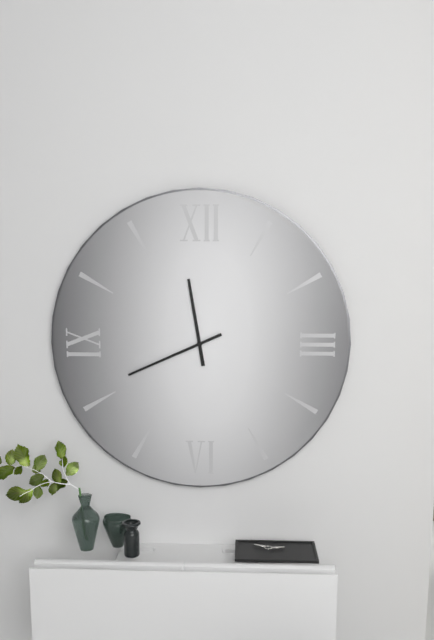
11:41
